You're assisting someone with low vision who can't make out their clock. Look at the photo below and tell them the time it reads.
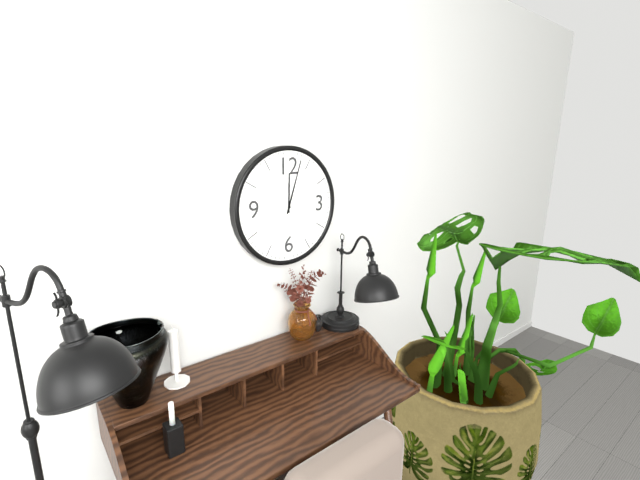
12:03
